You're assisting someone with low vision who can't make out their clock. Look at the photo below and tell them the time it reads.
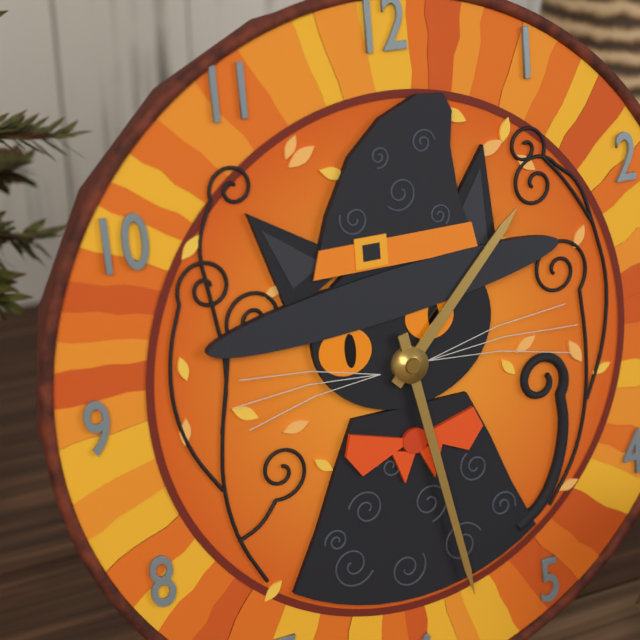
1:28
